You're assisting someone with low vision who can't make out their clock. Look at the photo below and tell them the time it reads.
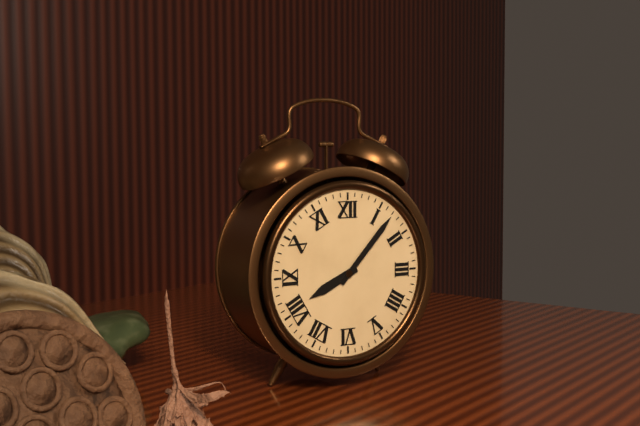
8:07
